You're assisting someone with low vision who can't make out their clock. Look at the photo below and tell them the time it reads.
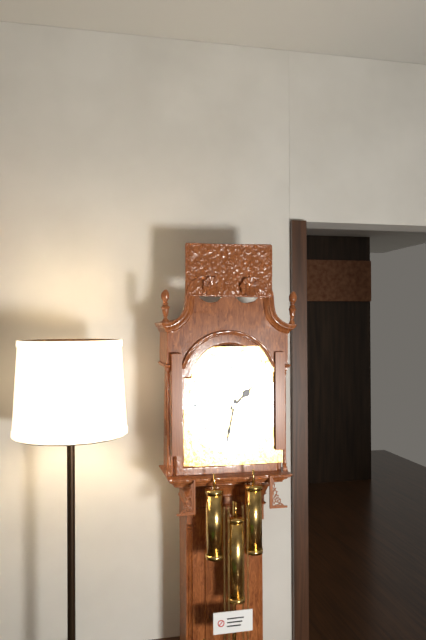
1:32
